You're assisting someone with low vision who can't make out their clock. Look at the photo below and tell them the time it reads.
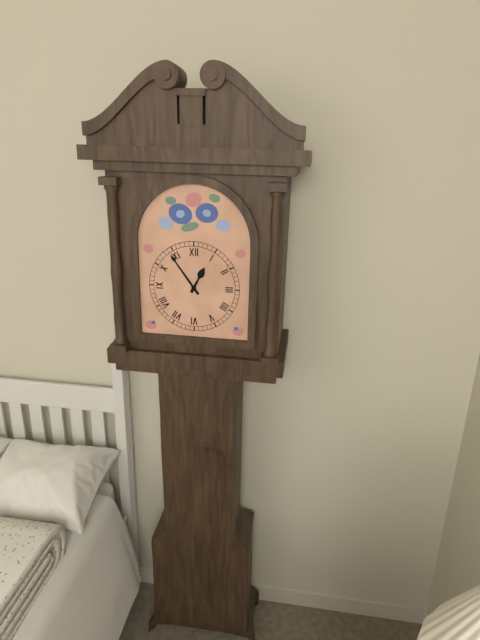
12:54
